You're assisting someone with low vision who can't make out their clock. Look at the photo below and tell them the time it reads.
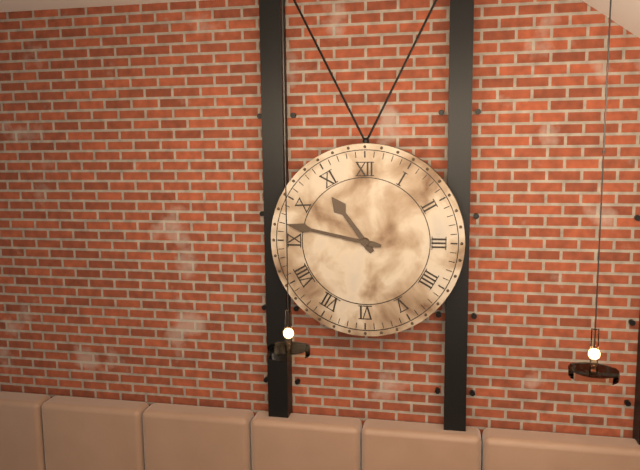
10:47
